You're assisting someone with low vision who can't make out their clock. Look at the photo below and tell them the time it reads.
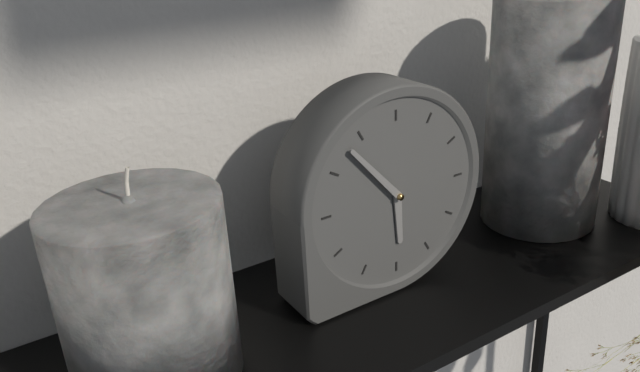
5:53
